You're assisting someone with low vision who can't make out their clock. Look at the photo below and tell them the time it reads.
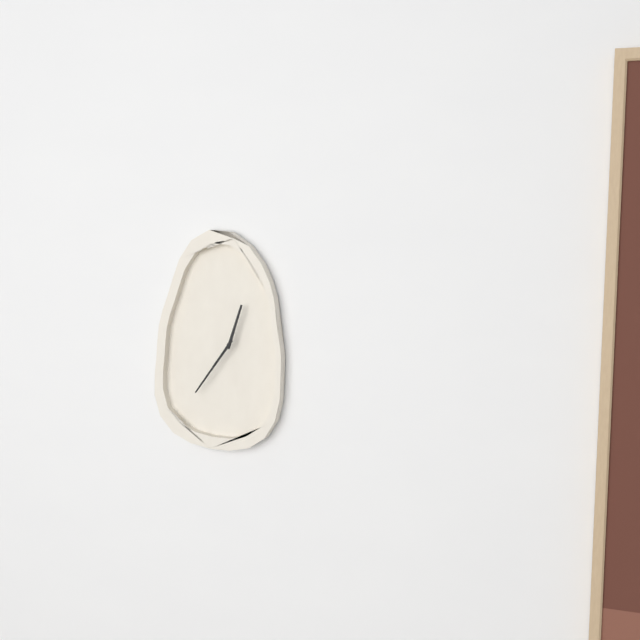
12:36
